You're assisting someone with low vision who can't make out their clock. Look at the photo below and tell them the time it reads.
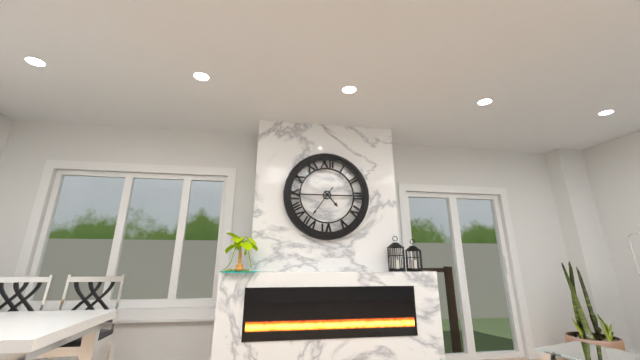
4:36
